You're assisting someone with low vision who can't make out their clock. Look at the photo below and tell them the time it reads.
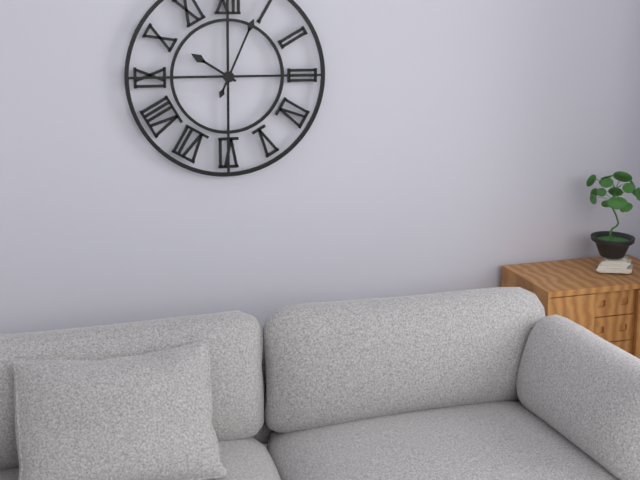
10:04
